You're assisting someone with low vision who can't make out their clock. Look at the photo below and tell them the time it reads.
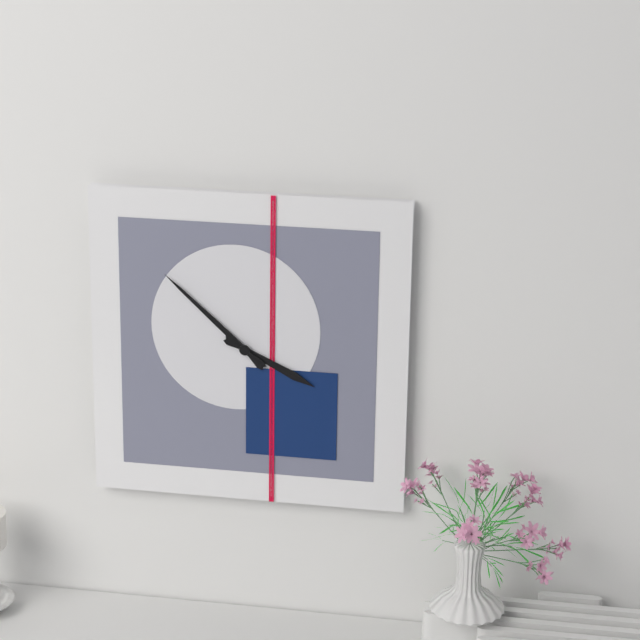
3:52
